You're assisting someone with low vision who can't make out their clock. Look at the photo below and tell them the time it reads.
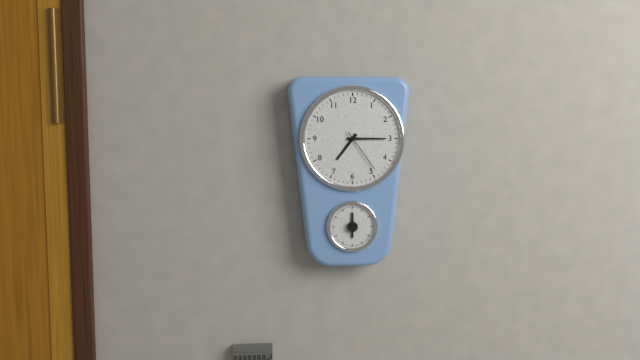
7:15
